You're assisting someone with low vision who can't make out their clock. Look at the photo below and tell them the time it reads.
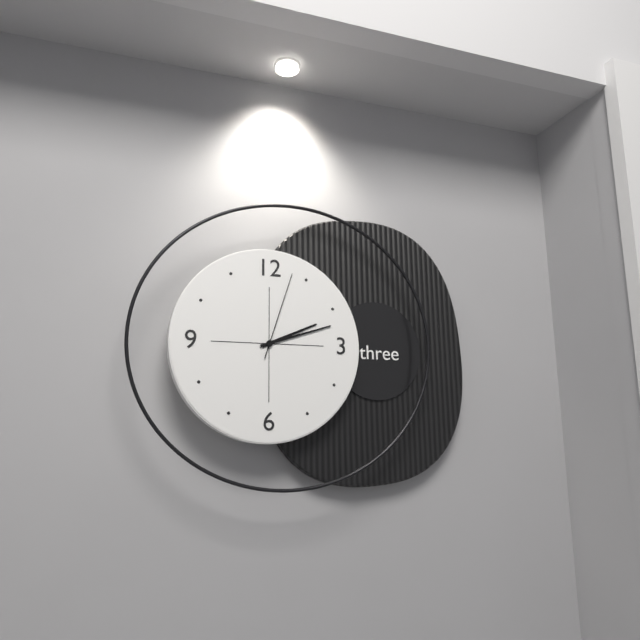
2:12:03
